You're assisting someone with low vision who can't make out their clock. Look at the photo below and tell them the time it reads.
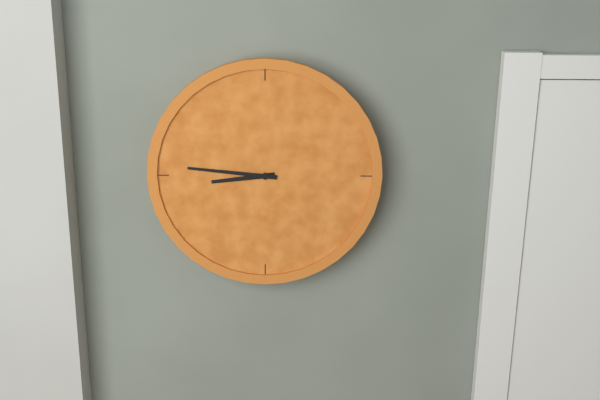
8:46
